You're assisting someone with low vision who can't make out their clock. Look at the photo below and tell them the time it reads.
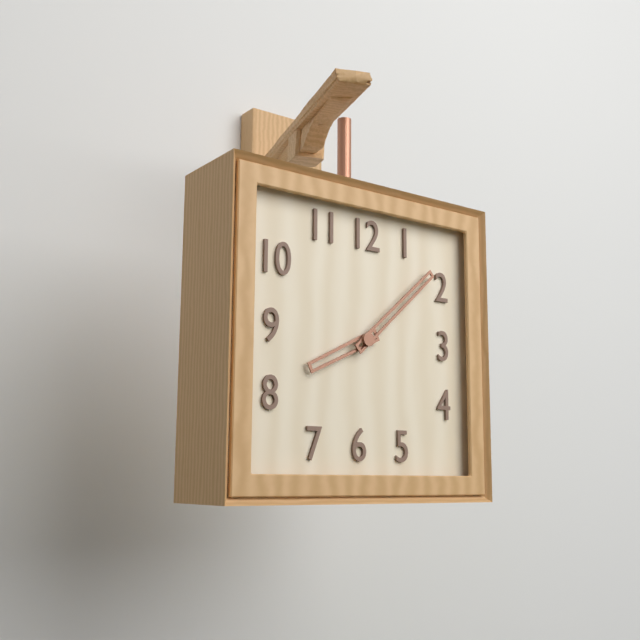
8:08
